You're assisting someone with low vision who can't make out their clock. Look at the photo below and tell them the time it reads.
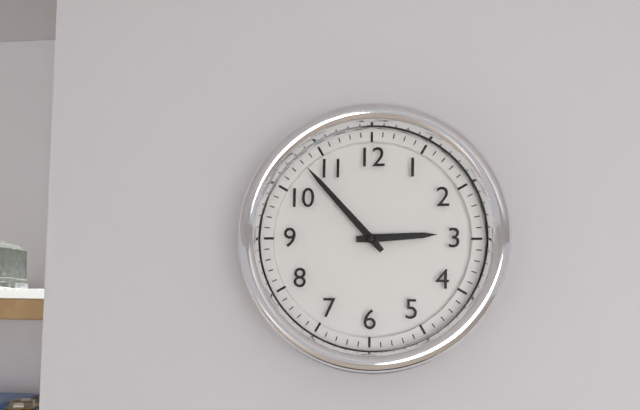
2:53
